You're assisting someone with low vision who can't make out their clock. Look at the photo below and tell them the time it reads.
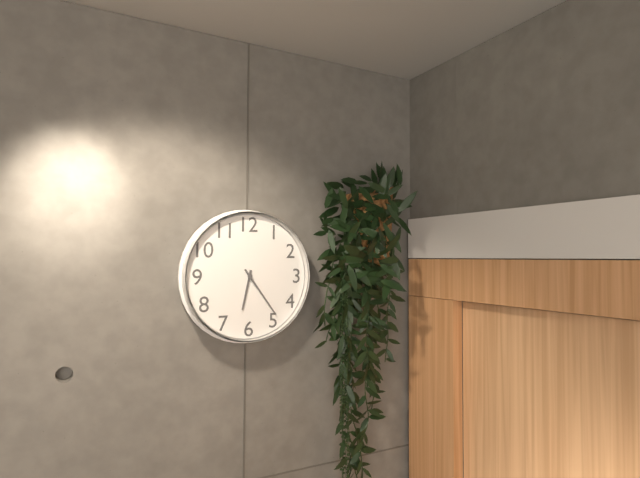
6:24
